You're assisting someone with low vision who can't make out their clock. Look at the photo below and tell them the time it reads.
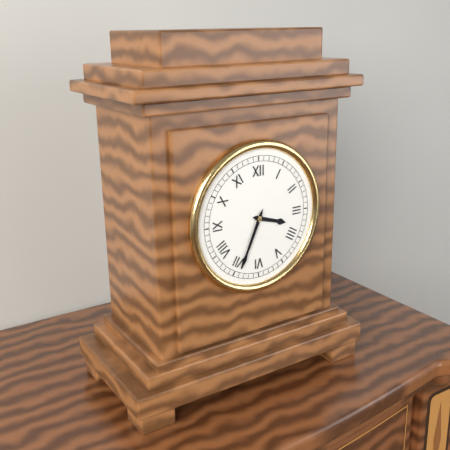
3:34
